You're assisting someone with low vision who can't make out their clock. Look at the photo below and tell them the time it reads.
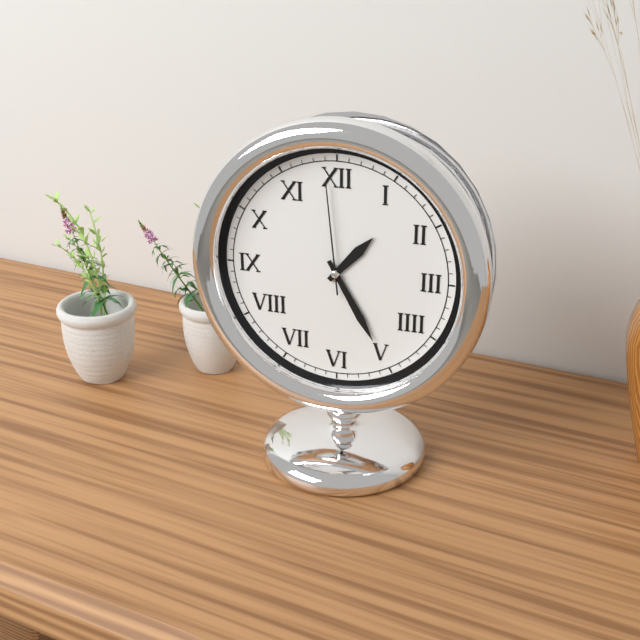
1:25:59
